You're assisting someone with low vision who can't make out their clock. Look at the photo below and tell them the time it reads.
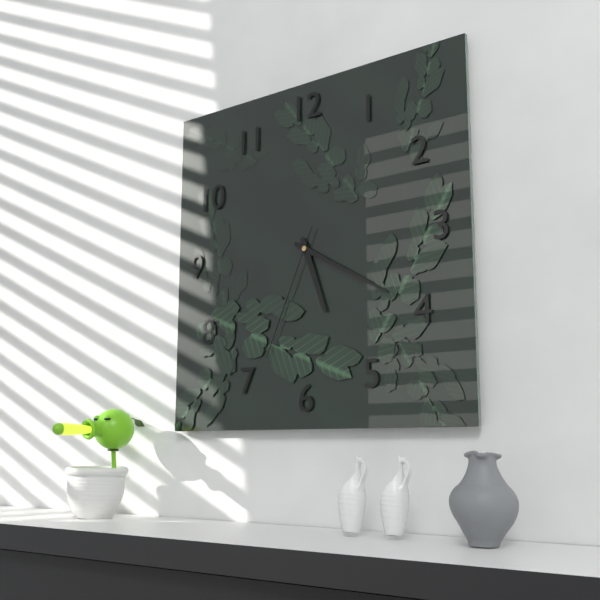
5:20:34
